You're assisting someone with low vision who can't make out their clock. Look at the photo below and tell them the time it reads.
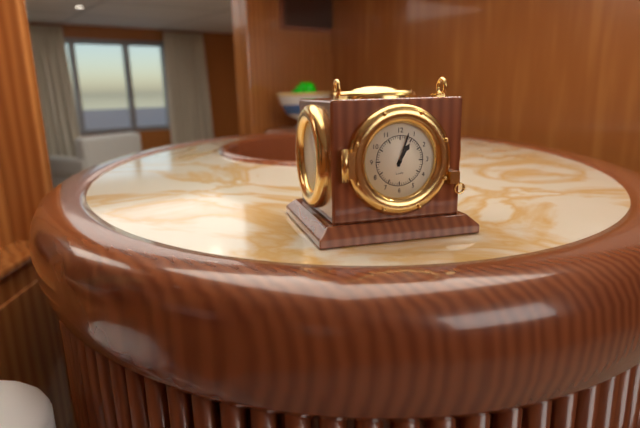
1:03
